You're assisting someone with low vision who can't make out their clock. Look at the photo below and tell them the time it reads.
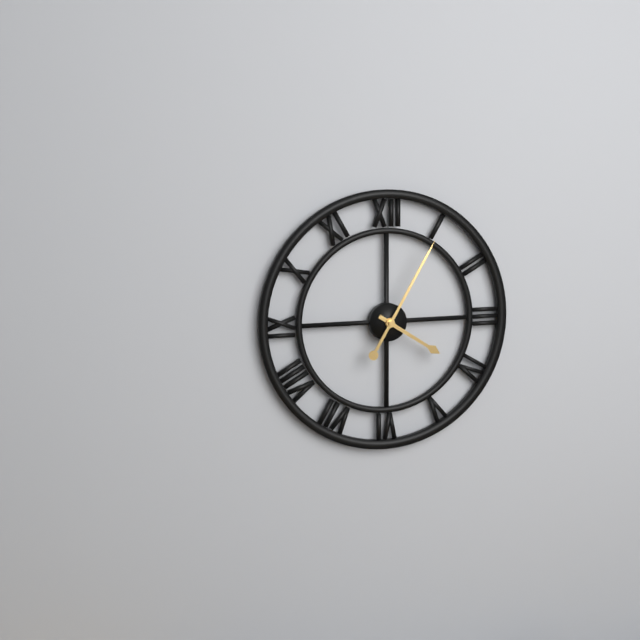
4:05
